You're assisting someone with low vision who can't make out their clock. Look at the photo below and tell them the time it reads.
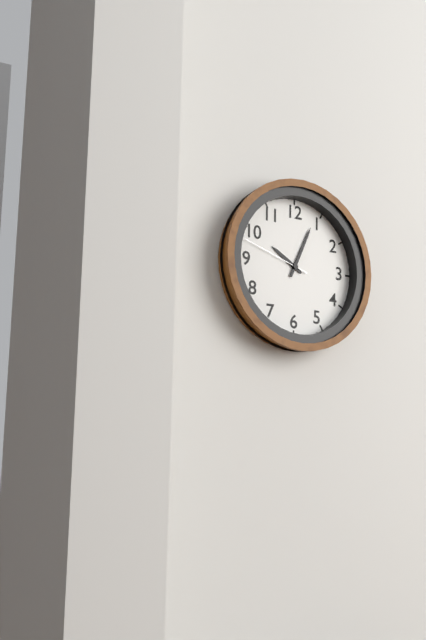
10:04:48
